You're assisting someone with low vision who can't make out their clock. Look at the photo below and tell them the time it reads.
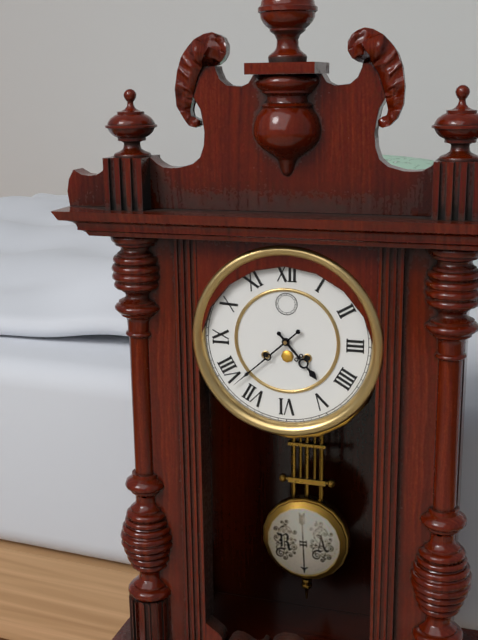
4:38
